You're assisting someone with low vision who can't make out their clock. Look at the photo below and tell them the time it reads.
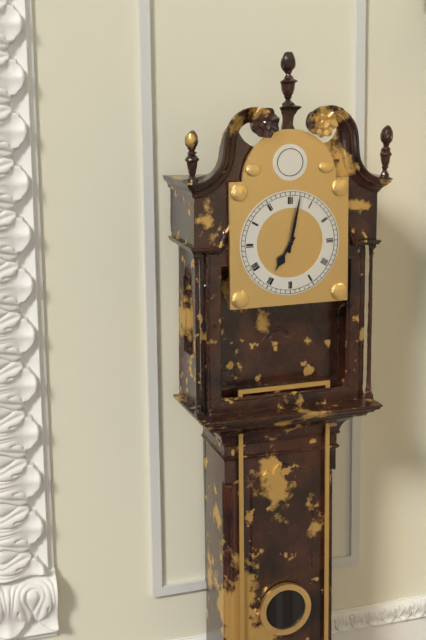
7:02
